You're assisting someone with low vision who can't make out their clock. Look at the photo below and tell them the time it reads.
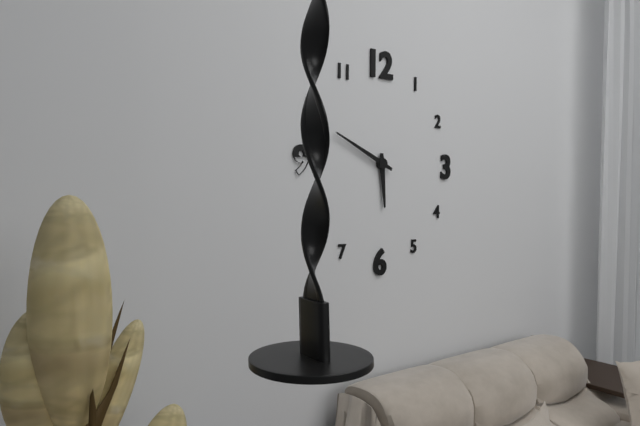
5:49
